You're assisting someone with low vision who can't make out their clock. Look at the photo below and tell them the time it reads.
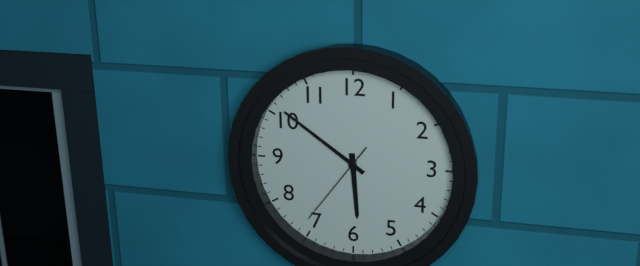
5:51:36
